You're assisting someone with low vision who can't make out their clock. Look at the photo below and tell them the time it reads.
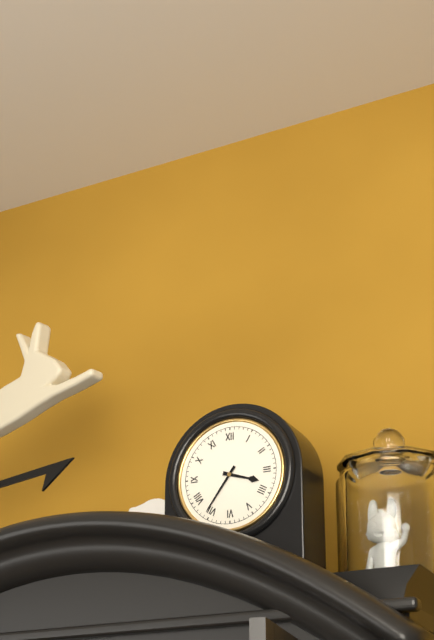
3:36
